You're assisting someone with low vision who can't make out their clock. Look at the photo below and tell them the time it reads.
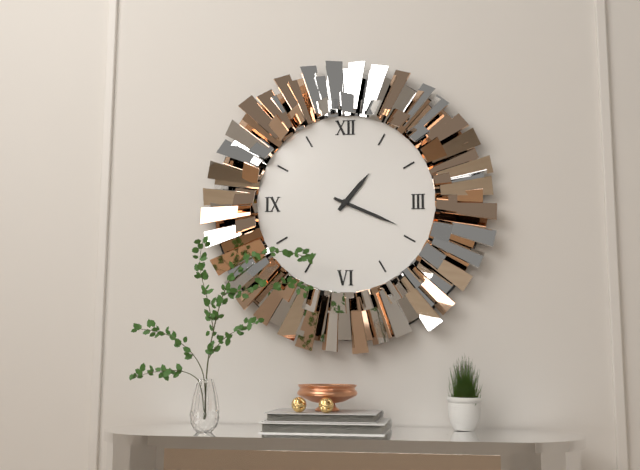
1:19
